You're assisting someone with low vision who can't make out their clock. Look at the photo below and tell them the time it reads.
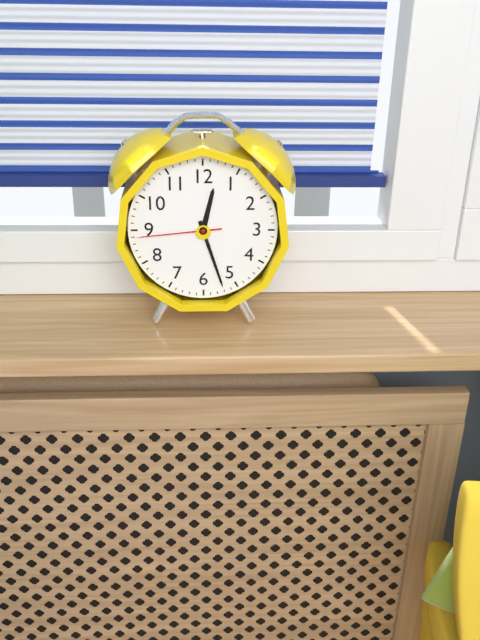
12:27:44
